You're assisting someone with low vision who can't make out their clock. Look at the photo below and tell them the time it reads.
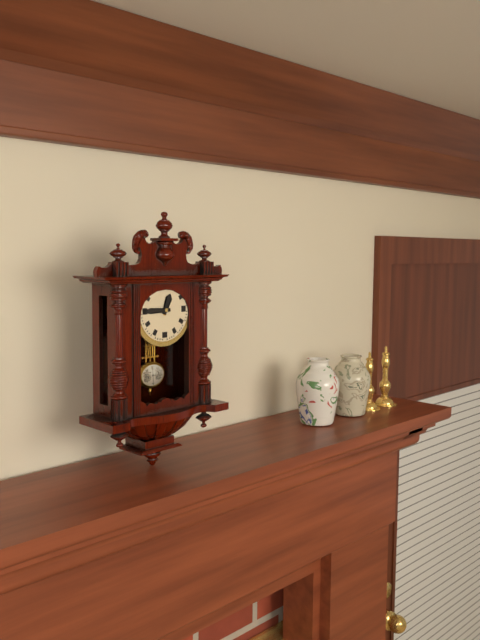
12:45
